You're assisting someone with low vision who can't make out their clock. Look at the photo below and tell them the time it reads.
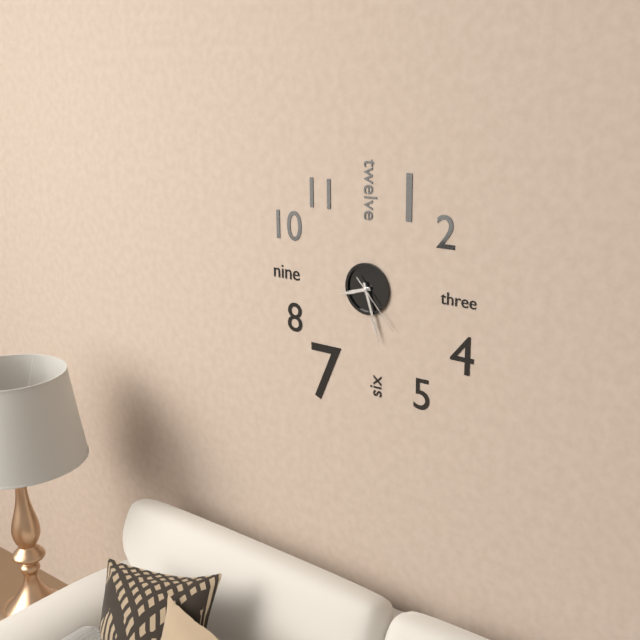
8:27:23
